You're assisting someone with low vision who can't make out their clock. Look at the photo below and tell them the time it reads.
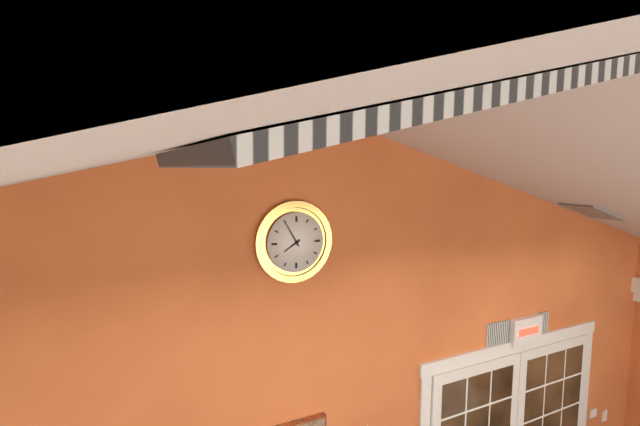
7:55
